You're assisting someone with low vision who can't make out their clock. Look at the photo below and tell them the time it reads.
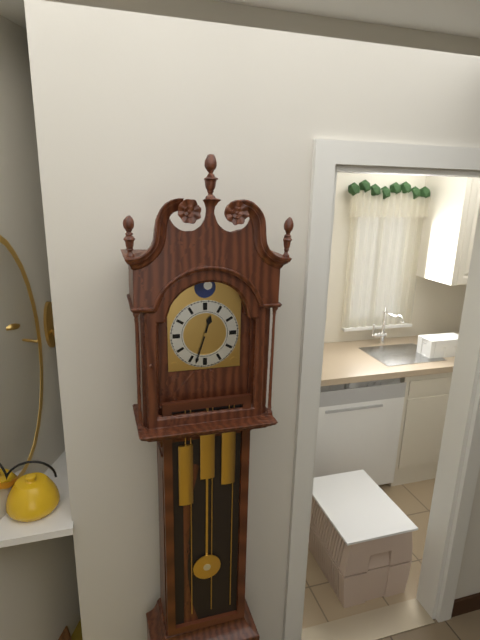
12:33
